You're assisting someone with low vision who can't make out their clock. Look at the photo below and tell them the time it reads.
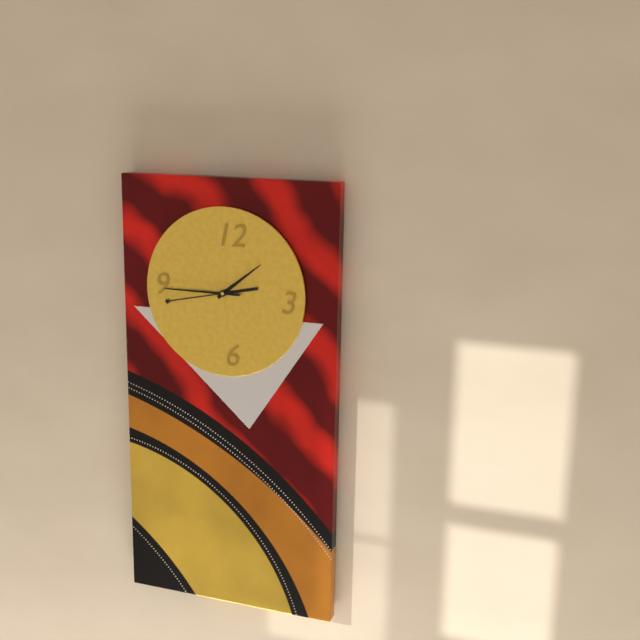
1:43:45
